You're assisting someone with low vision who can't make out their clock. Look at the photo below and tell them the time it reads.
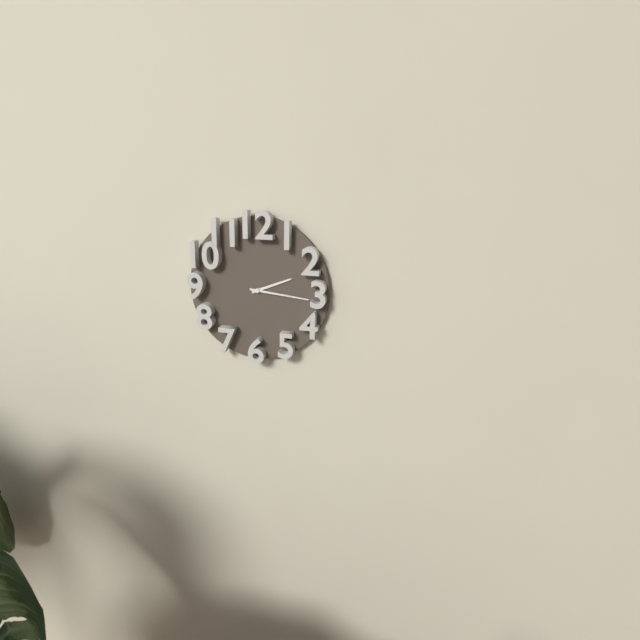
2:16
